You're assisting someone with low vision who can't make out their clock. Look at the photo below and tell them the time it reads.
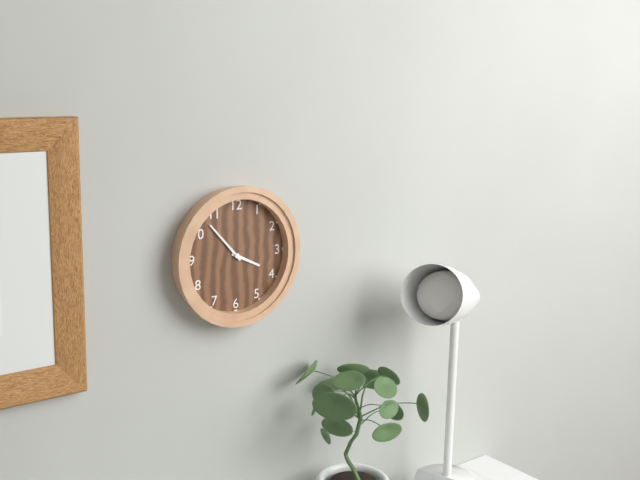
3:53
